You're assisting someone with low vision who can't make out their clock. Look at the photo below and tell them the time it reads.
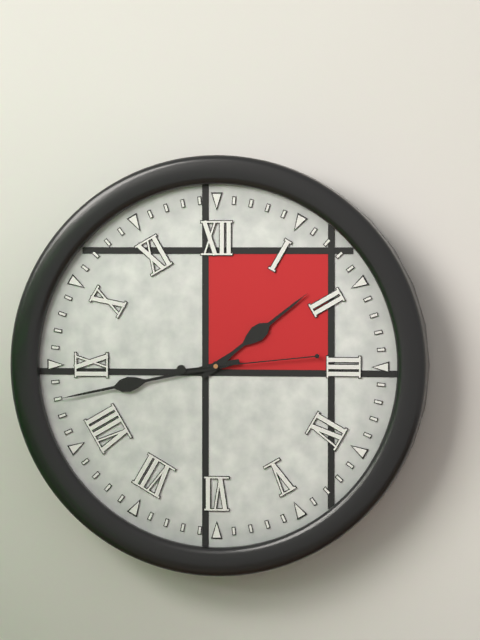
1:43:14
